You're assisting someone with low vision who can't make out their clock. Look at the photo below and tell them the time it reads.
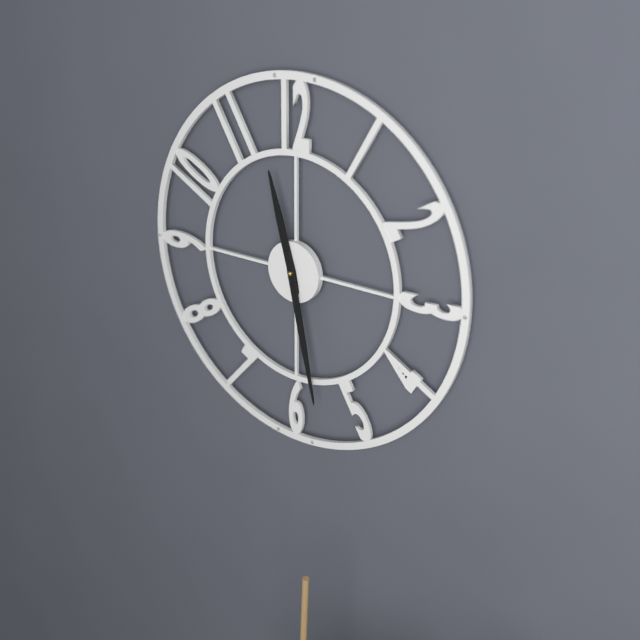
11:28
